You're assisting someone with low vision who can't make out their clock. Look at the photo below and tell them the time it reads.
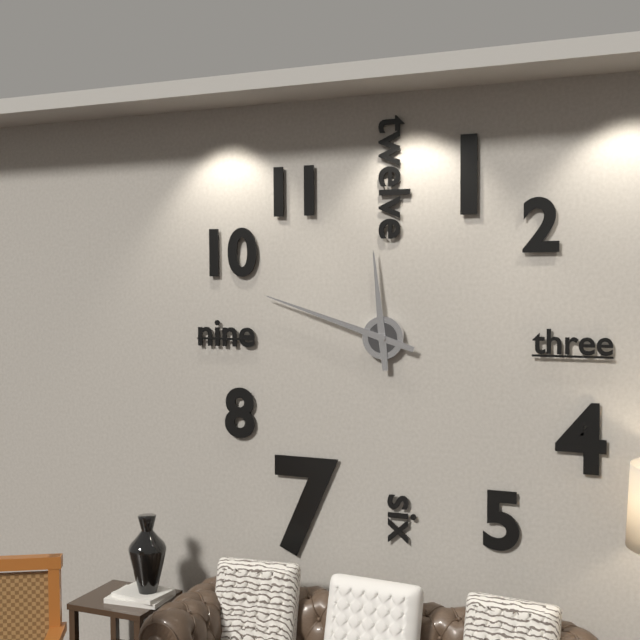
11:48
